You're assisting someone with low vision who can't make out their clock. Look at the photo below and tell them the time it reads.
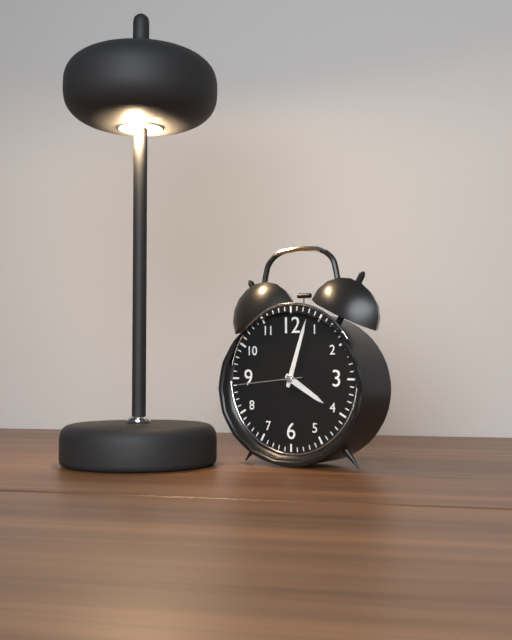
4:03:44
